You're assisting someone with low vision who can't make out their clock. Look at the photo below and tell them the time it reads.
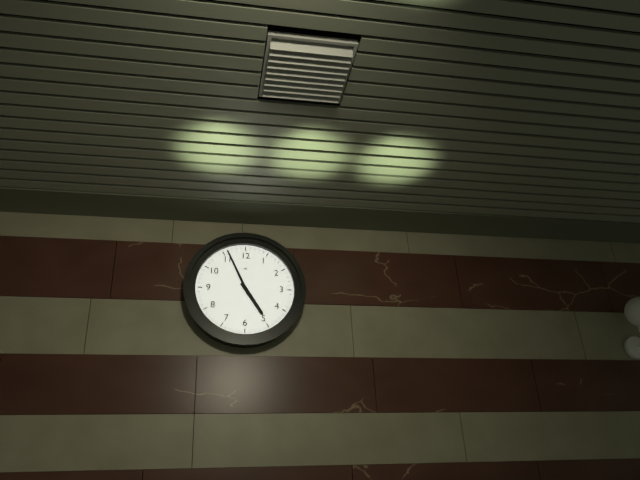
4:56
